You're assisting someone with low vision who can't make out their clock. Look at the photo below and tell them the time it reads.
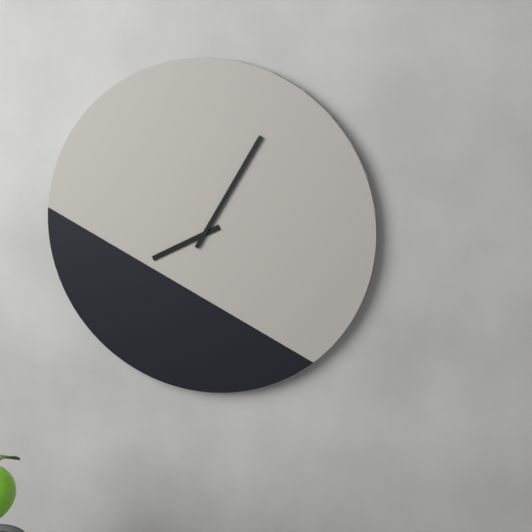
8:05
